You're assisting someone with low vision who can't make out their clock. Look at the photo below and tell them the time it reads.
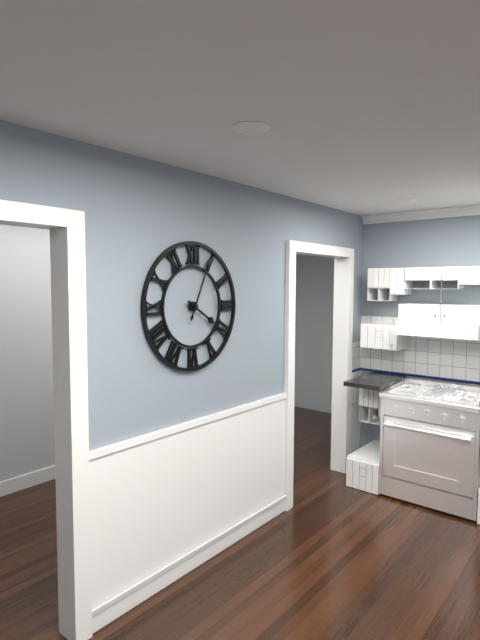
4:04
